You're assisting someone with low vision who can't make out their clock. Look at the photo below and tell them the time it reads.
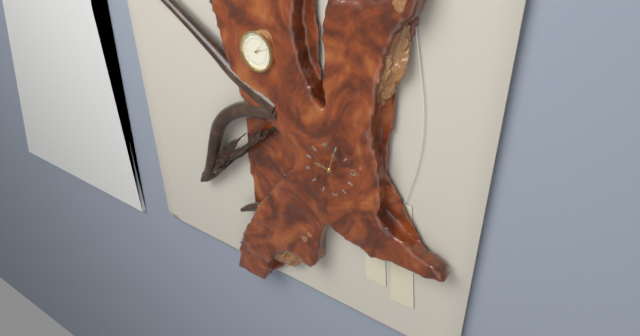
6:50
